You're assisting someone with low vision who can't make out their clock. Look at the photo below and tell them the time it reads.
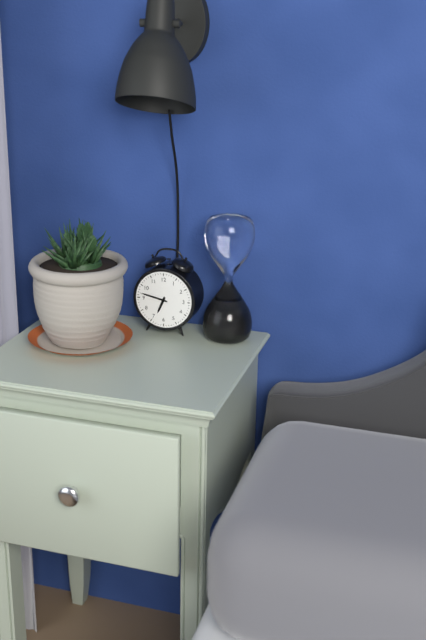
6:47
